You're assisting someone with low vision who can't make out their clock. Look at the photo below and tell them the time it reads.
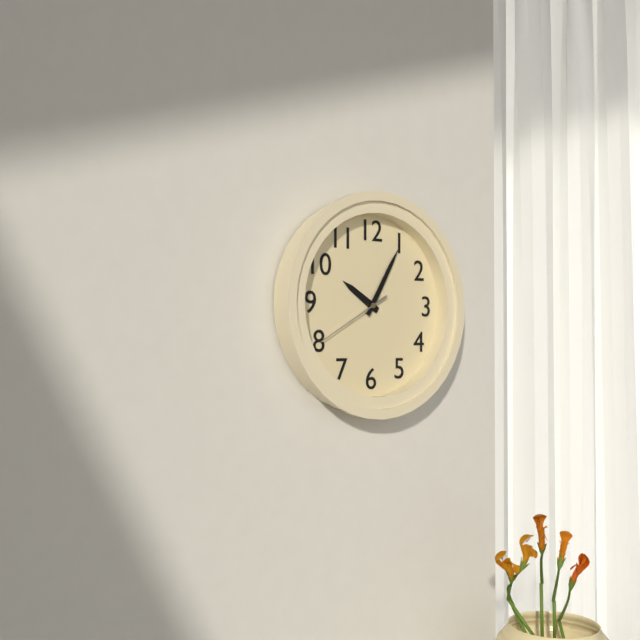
10:05:40
